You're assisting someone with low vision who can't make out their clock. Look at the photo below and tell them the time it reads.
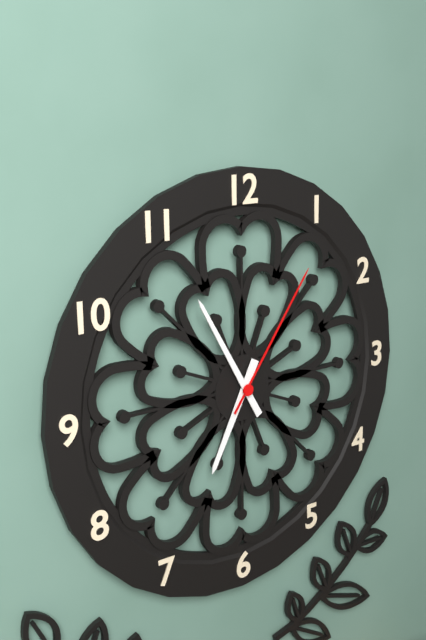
6:55:06
